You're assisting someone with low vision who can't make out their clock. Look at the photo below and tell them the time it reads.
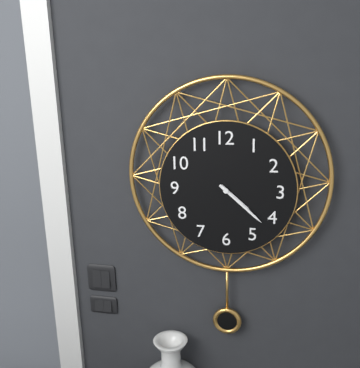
4:22
